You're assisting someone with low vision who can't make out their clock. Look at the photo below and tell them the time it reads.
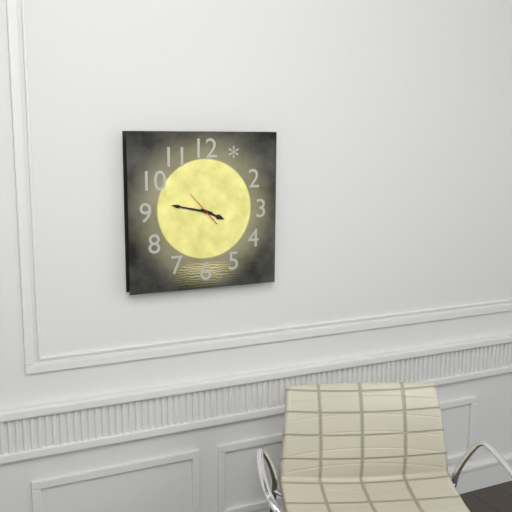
3:47
